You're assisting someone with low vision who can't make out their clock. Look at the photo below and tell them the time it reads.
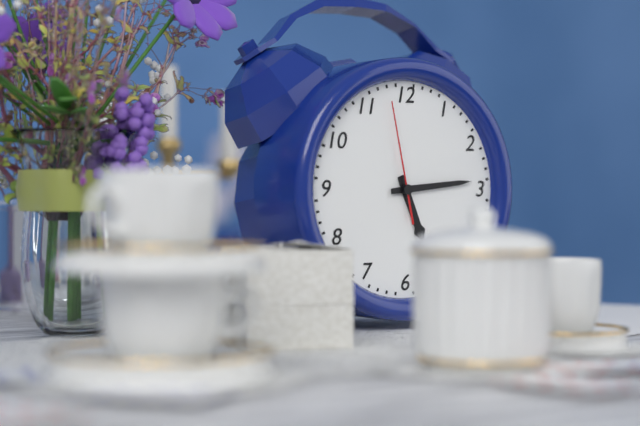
5:14:58
